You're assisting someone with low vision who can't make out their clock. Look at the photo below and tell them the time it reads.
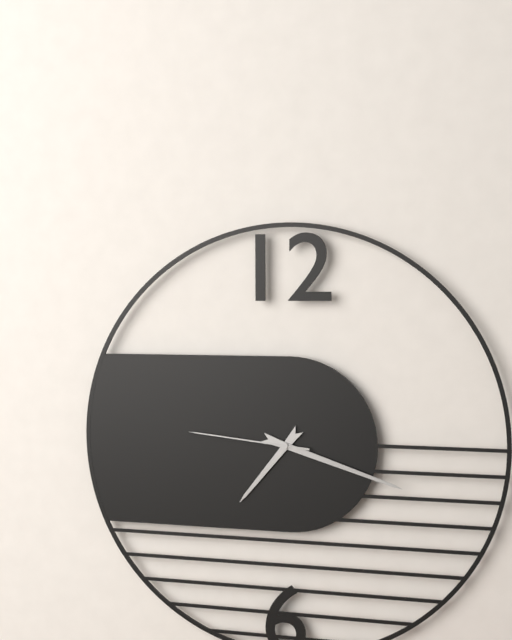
7:18:46
